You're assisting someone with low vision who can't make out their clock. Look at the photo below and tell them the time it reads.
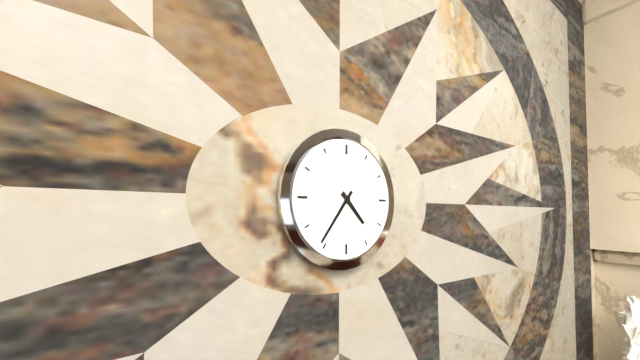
4:36
